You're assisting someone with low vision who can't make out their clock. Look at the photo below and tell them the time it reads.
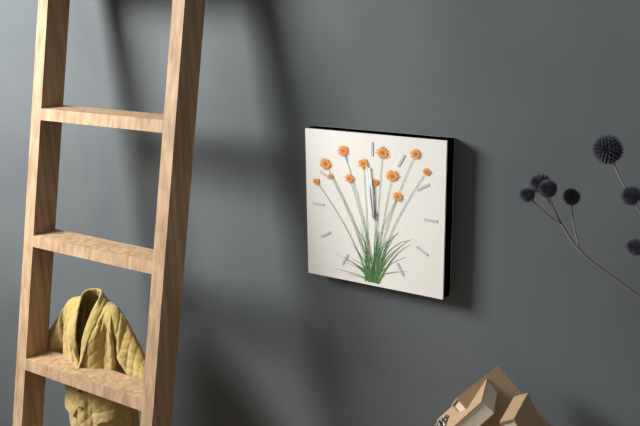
11:59
